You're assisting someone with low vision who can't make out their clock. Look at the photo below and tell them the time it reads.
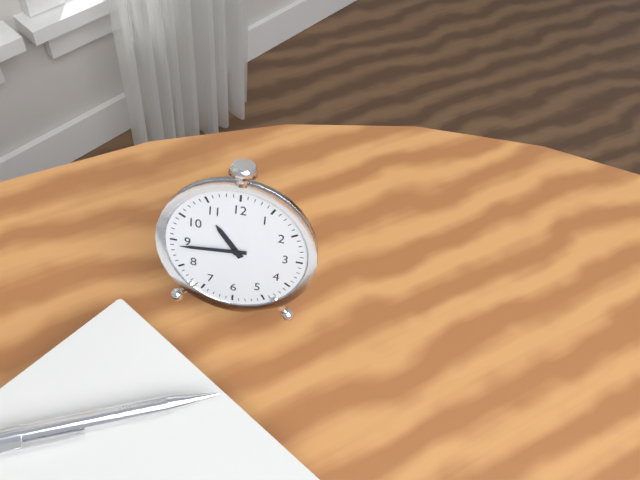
10:44
